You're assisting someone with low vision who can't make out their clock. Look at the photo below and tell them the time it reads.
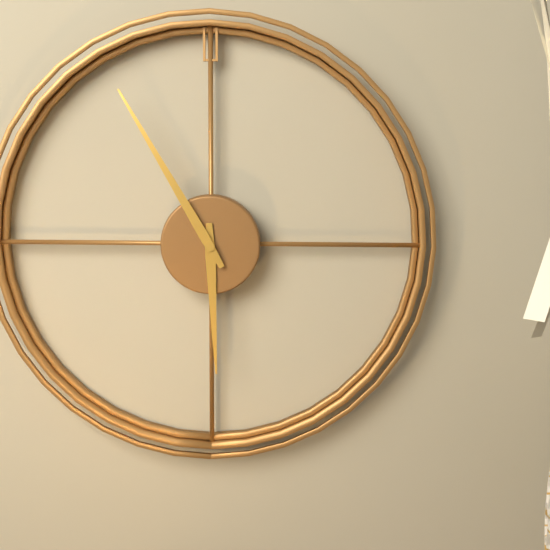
5:55
